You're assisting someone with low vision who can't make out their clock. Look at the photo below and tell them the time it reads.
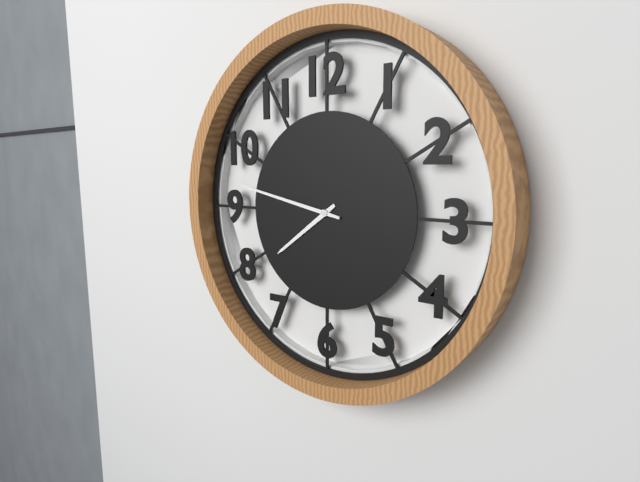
7:47
